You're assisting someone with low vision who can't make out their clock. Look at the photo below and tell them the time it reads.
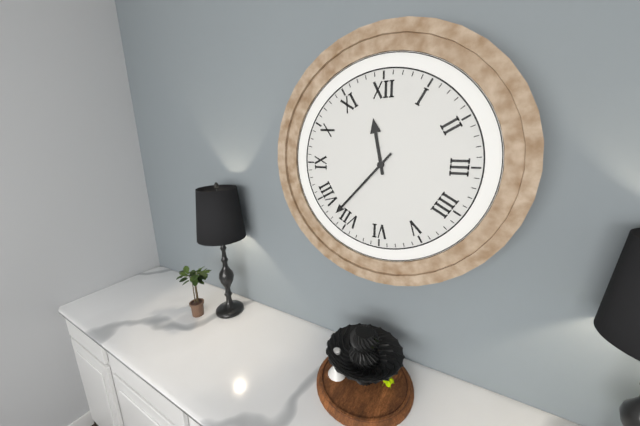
11:37
